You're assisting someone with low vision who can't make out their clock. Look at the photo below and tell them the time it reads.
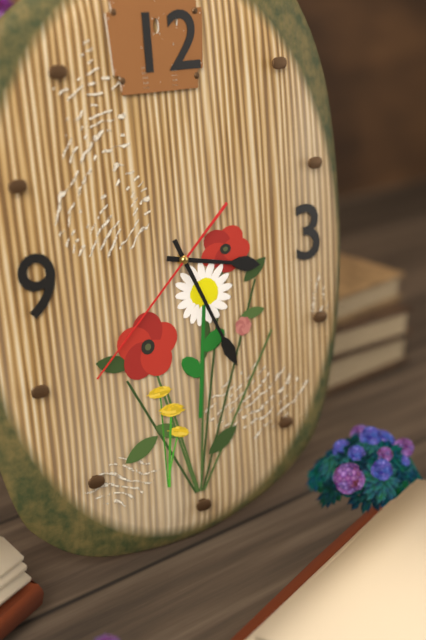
3:26:38
